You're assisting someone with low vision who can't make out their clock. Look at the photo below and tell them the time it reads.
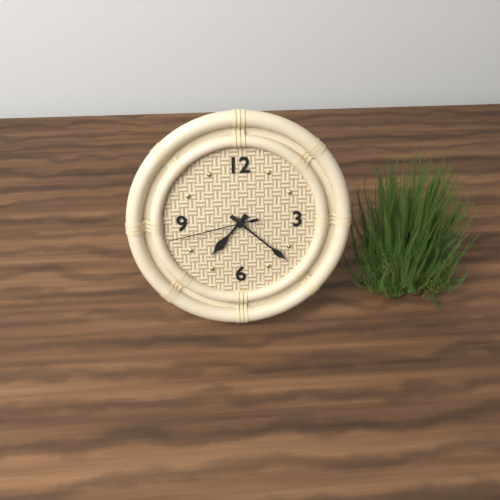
7:22:43
